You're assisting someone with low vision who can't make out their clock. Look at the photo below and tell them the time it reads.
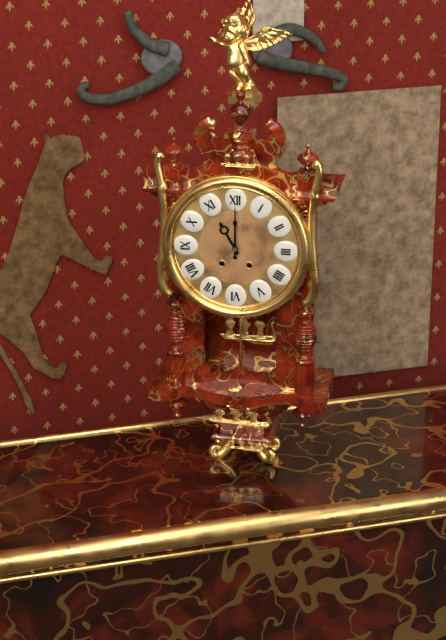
11:00
